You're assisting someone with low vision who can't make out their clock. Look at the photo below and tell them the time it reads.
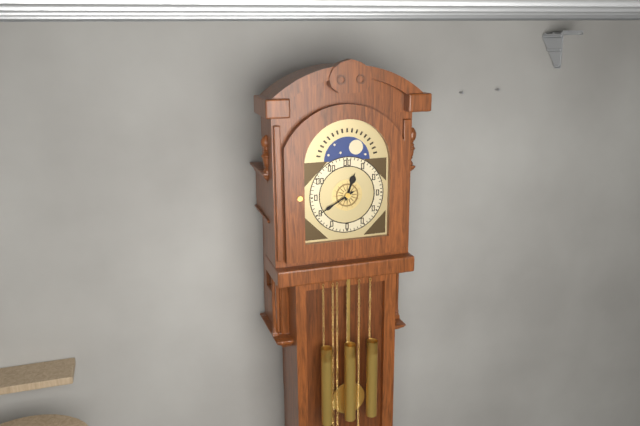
12:40
